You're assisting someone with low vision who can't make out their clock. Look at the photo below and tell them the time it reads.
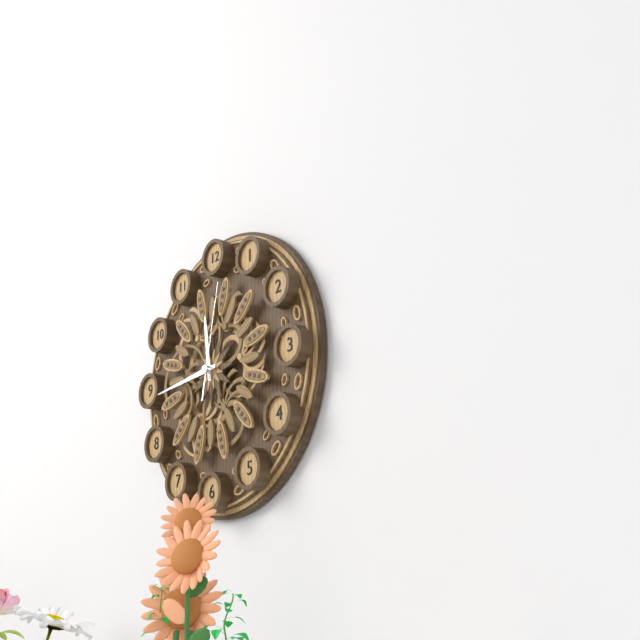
11:44:02
